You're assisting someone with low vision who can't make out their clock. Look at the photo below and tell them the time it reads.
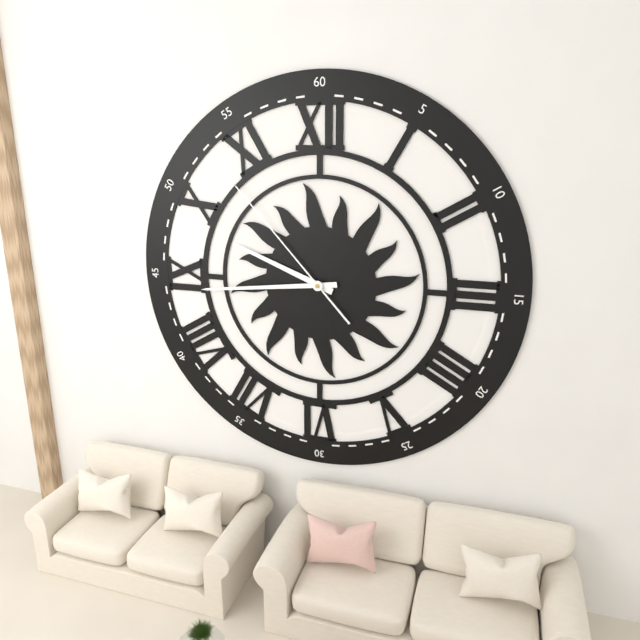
9:44:53
